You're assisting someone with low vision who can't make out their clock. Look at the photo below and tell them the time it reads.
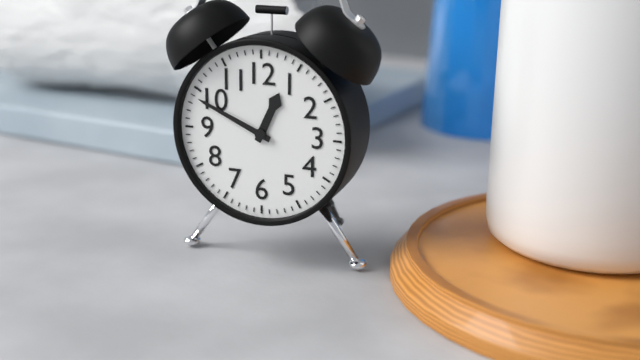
12:49
